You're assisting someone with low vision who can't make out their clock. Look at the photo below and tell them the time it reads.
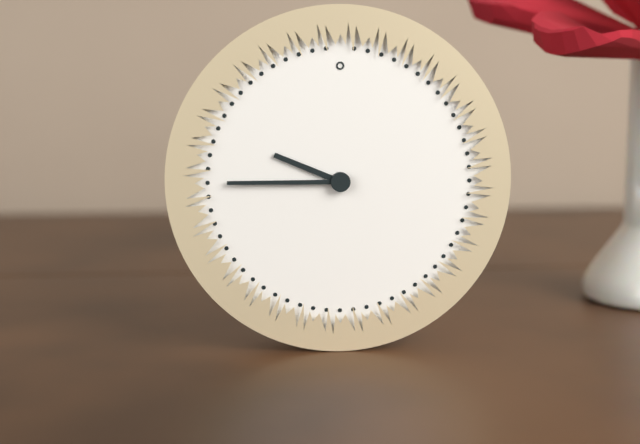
9:45
